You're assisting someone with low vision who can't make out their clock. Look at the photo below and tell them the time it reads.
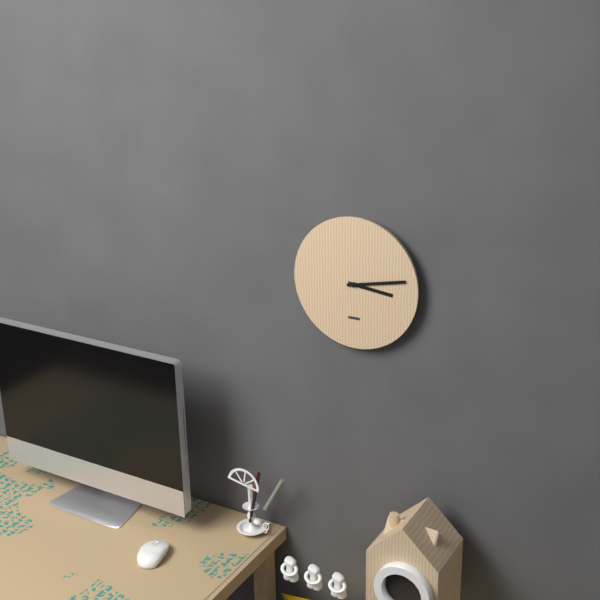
3:13
